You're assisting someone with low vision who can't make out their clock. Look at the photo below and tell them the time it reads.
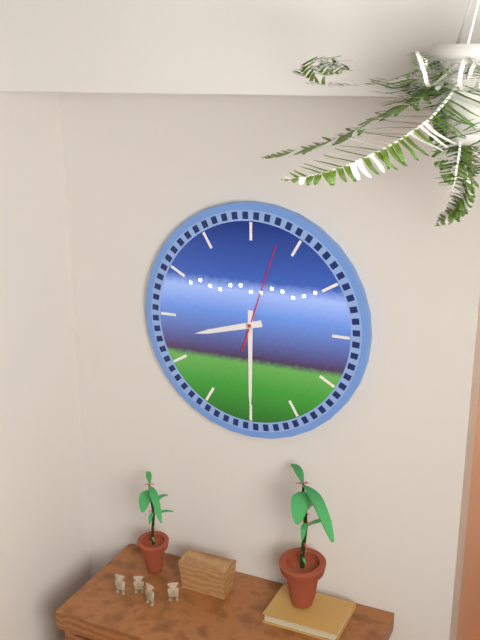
8:30:03
